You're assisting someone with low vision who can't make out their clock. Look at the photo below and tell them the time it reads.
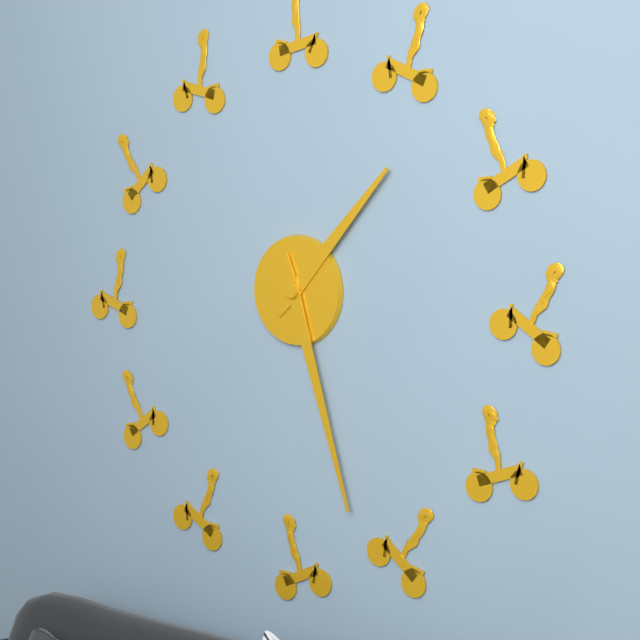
1:27
